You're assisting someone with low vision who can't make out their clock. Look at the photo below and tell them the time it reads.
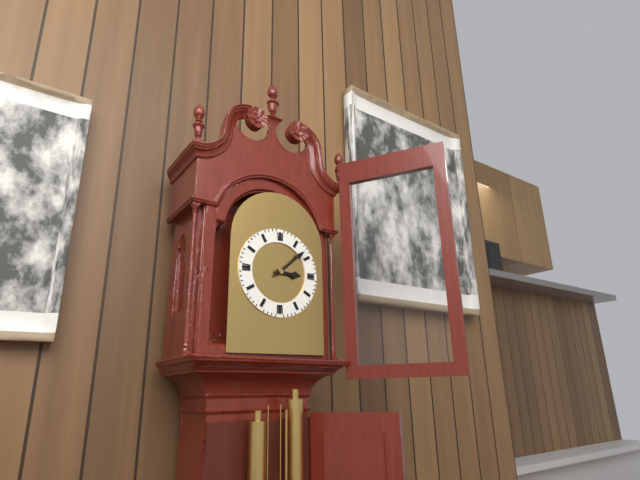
3:08
